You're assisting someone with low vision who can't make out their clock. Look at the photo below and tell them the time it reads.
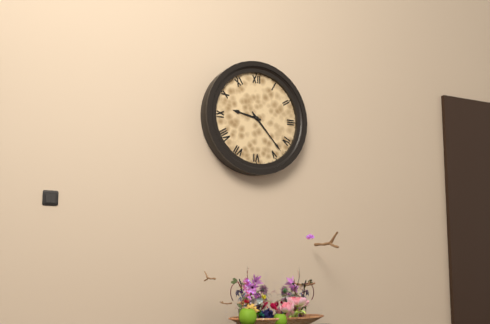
9:23
